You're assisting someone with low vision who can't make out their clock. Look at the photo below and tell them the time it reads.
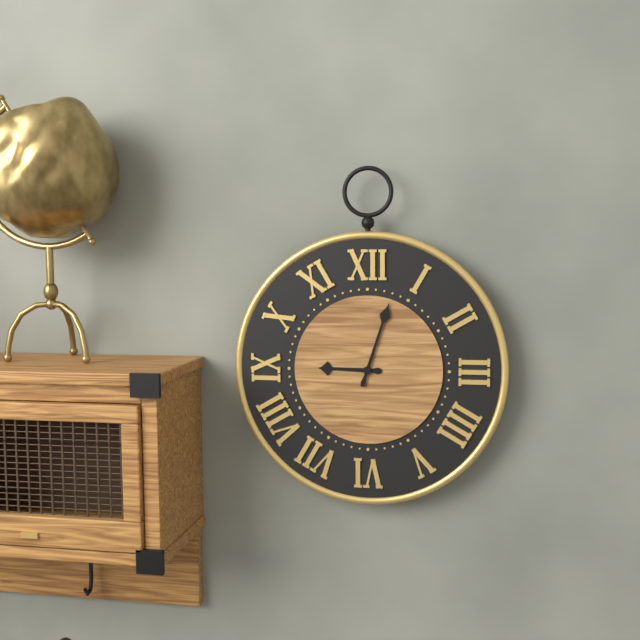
9:03
